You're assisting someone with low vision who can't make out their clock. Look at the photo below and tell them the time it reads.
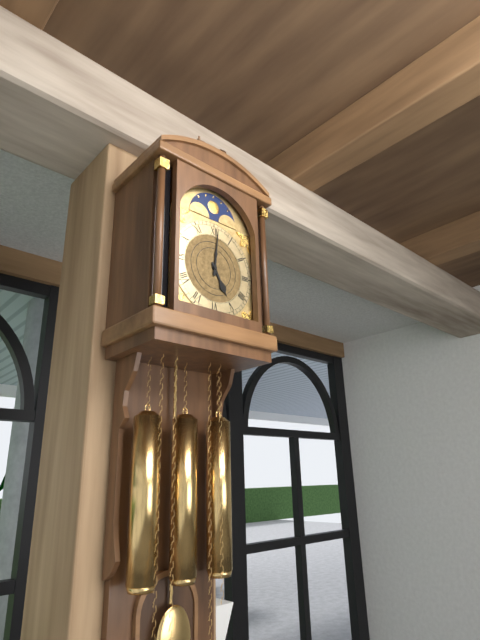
5:01
